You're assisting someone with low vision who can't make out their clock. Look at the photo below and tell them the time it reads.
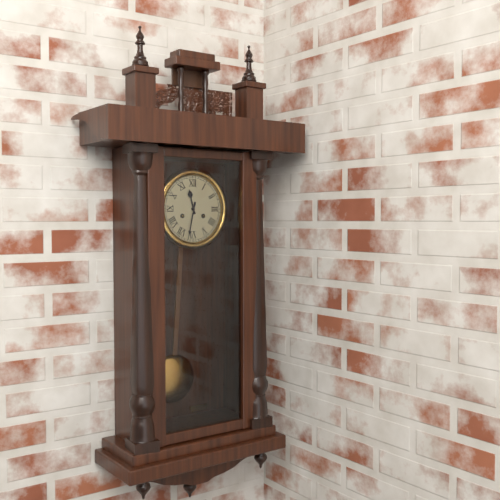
11:32
